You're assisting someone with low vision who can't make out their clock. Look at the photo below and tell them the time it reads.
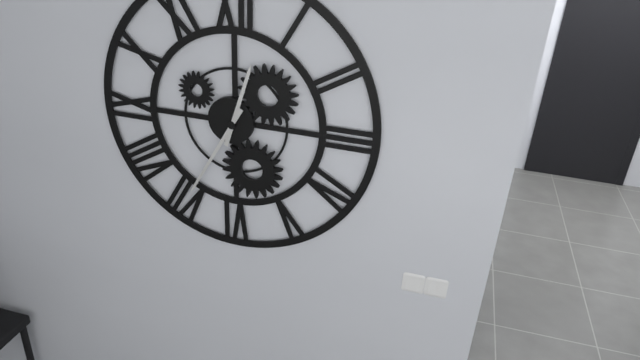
12:35
